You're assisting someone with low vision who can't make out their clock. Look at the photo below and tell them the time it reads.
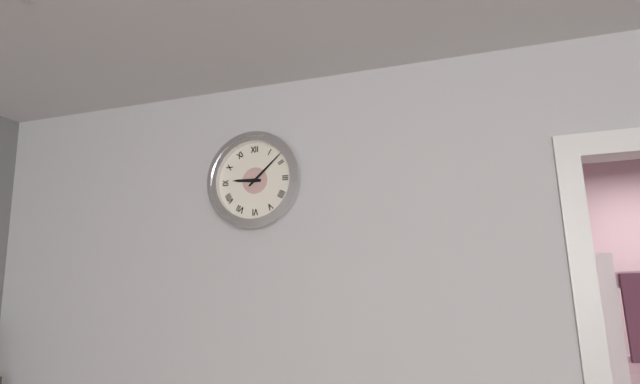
9:08
